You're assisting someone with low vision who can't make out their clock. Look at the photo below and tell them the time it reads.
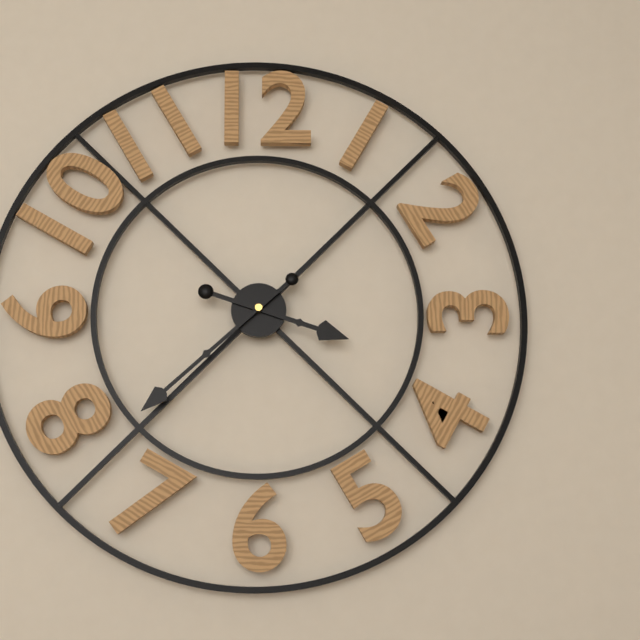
3:38
